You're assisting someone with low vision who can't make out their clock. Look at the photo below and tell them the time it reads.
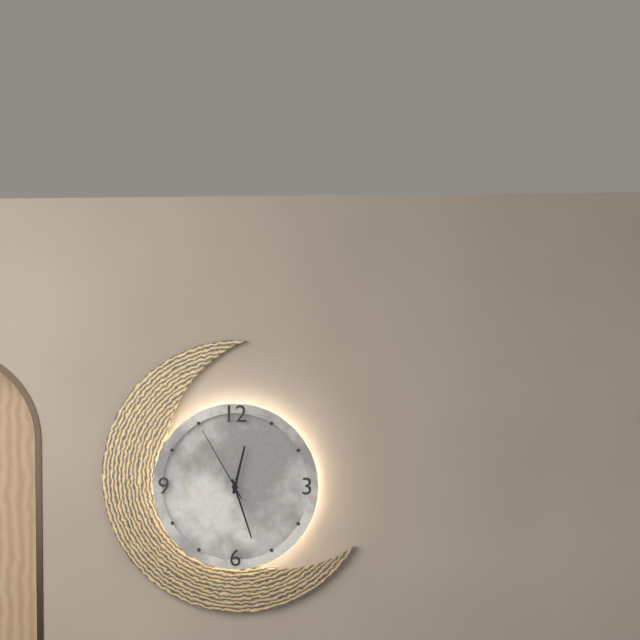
12:27:55
